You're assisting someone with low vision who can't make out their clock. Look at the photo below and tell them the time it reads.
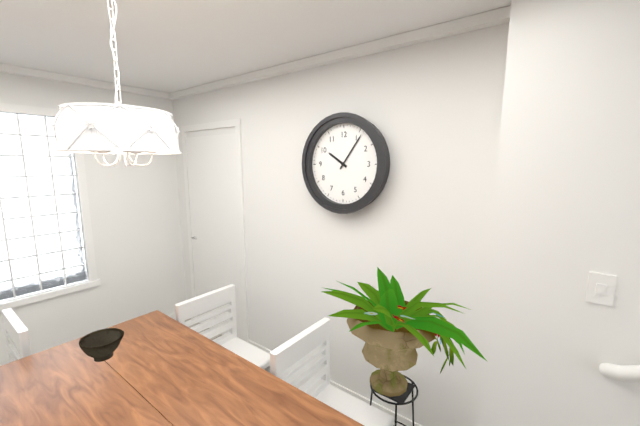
10:06
